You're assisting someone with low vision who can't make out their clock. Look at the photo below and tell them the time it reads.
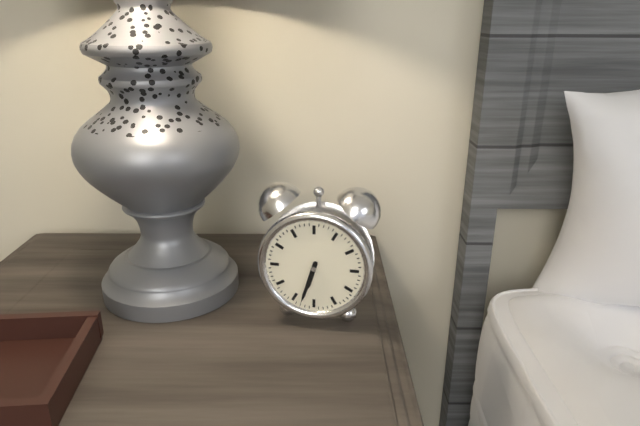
6:33
